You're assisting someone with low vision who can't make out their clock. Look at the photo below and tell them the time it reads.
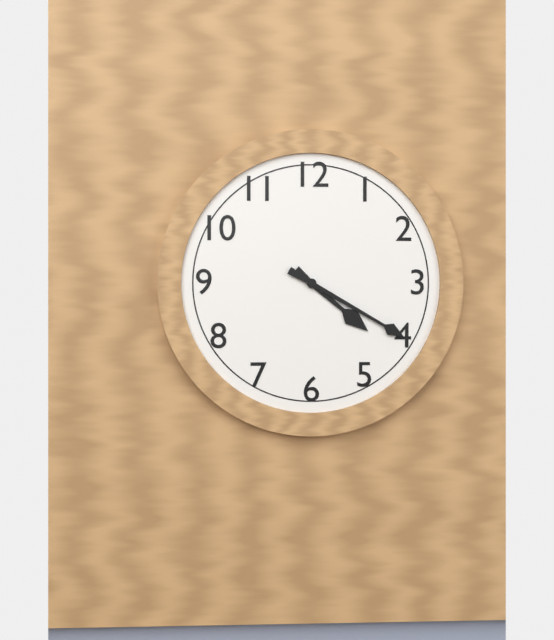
4:20
